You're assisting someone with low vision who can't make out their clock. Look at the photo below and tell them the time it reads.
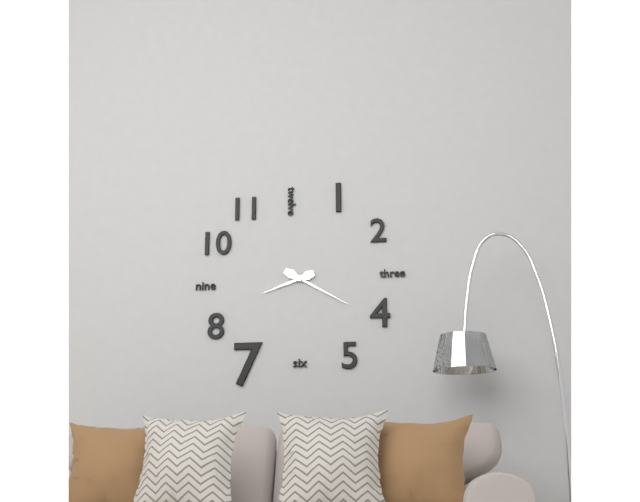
8:20
